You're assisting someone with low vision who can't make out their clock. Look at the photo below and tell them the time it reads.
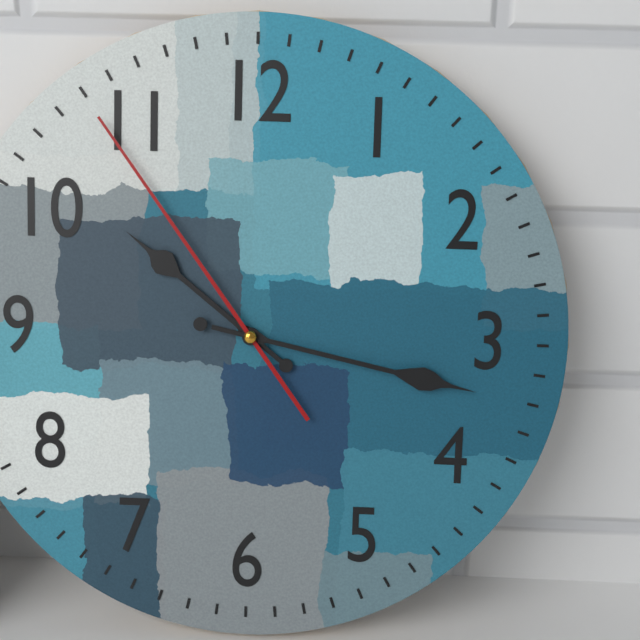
10:17:54
